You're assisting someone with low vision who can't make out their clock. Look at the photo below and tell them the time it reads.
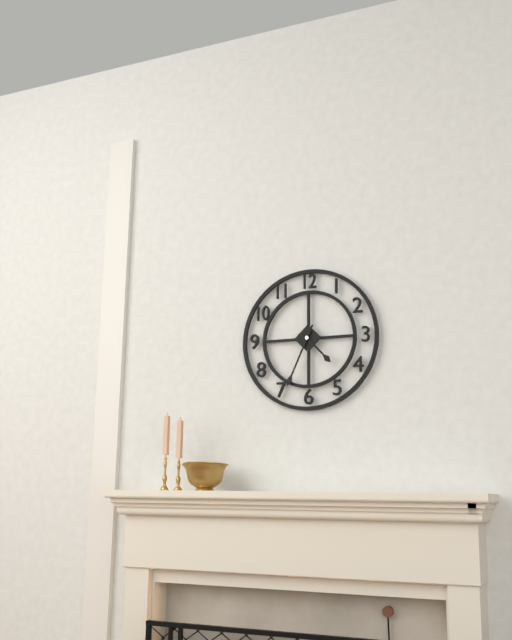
4:34
